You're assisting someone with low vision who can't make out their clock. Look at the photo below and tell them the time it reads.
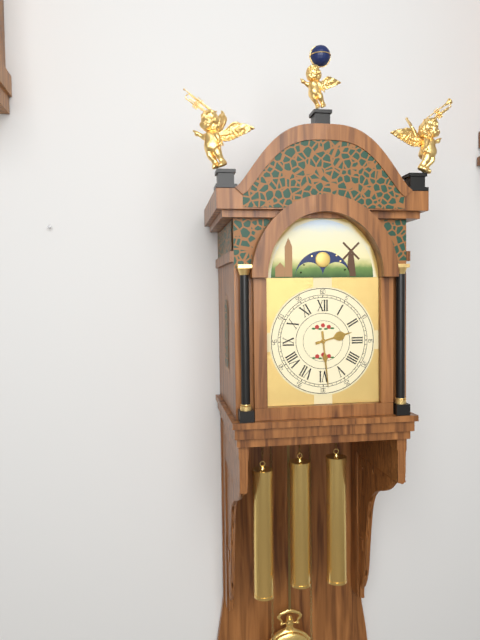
2:29
